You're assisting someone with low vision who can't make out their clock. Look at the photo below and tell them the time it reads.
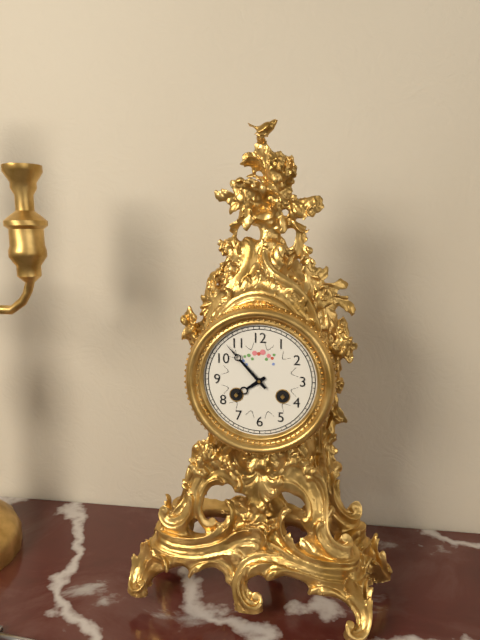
7:53
